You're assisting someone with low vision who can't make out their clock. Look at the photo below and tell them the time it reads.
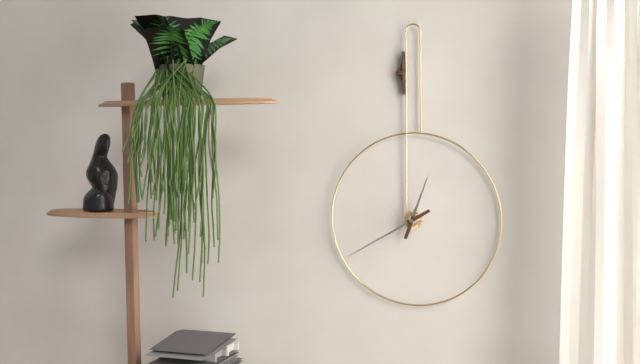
12:40
